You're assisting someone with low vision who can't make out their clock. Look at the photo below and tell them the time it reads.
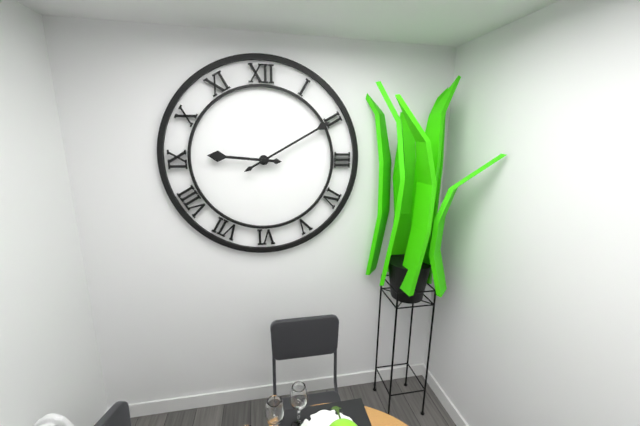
9:10
